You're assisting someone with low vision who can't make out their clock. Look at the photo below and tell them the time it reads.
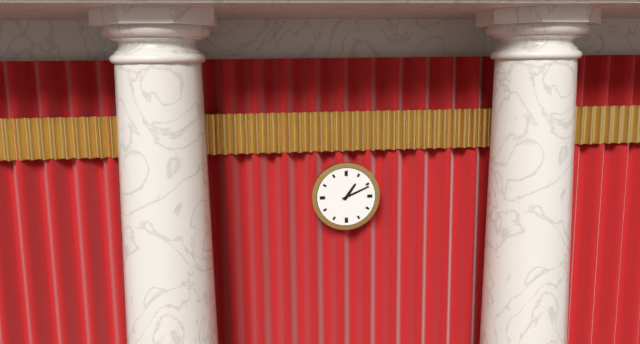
1:11
